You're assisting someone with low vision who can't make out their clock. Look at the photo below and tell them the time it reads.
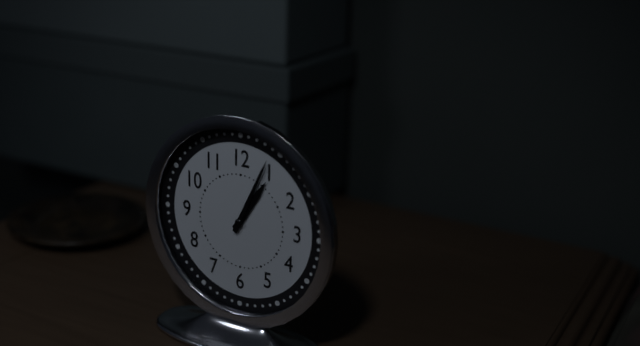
1:04
